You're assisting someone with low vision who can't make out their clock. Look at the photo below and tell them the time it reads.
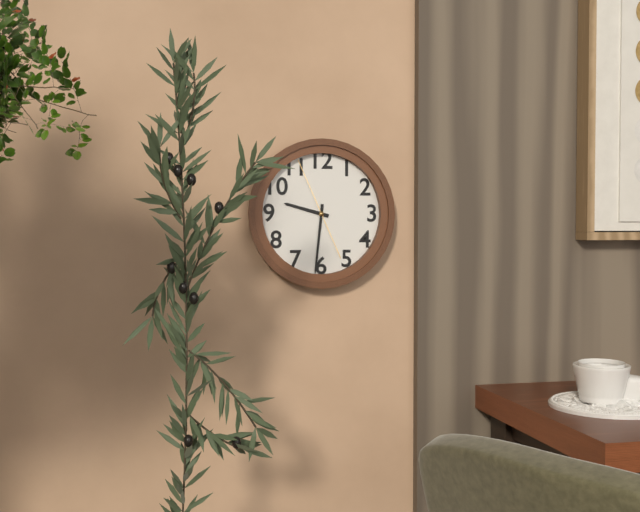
9:31:56
